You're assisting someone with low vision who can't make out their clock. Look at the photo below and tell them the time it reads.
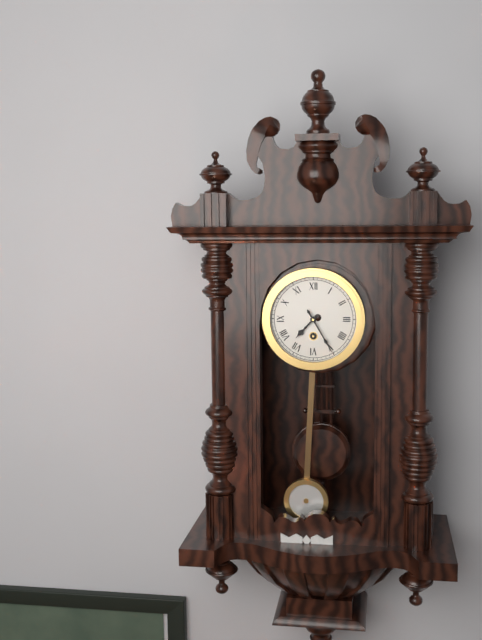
7:25
